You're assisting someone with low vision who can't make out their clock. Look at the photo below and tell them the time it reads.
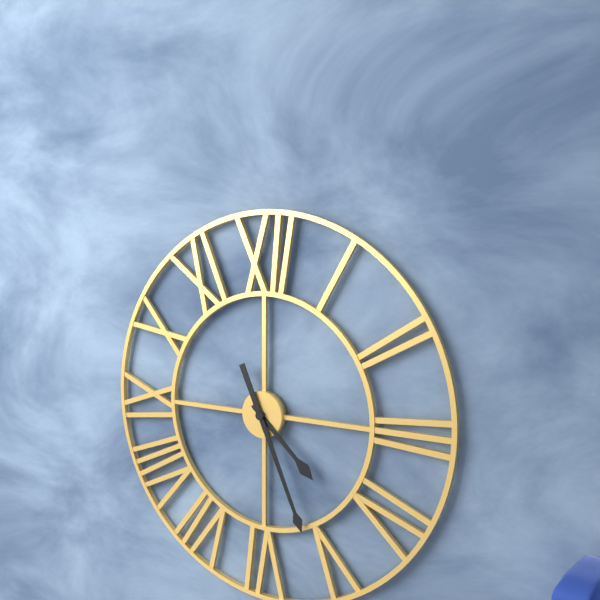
4:26
